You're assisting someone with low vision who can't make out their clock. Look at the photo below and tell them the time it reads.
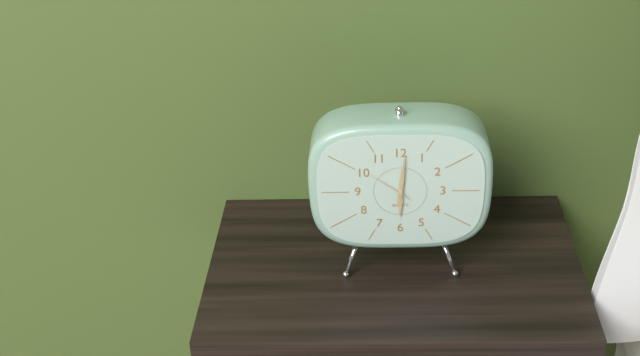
6:01
